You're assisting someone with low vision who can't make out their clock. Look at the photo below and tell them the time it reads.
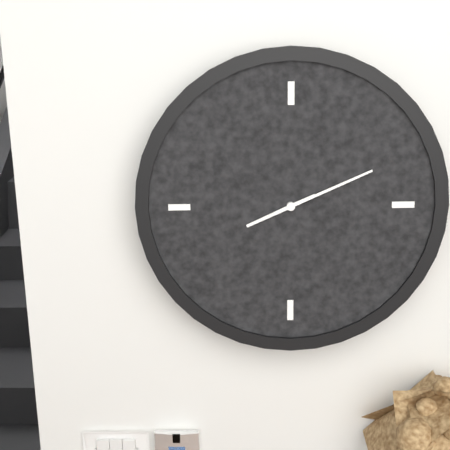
8:11
